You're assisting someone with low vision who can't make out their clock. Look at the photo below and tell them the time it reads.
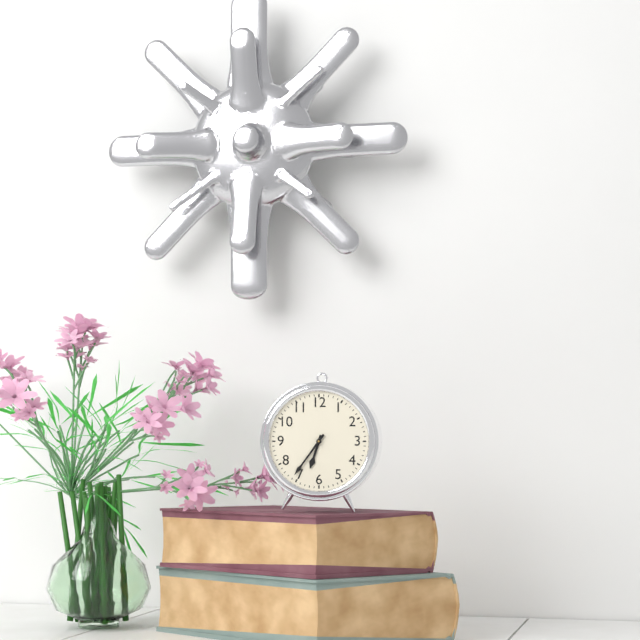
6:36
